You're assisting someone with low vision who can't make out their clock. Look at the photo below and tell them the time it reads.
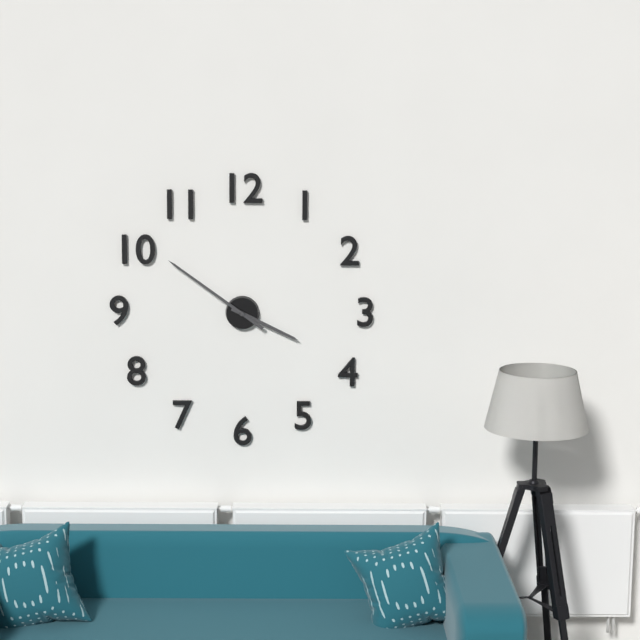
3:51
